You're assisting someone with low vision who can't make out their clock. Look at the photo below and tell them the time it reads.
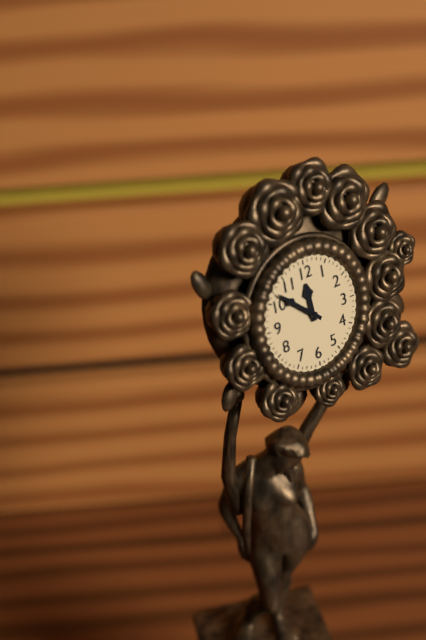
11:52
